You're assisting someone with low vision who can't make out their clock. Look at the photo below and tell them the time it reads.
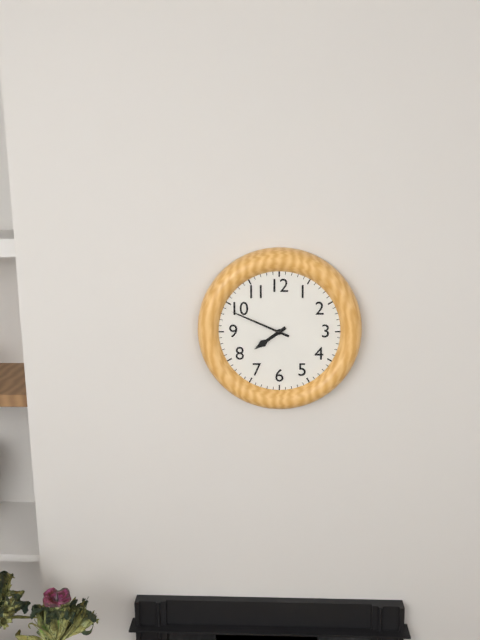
7:49
